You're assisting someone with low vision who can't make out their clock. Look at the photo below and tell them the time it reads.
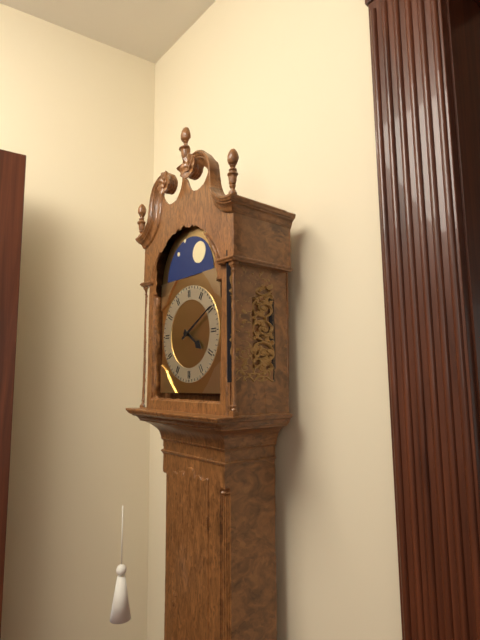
4:10
